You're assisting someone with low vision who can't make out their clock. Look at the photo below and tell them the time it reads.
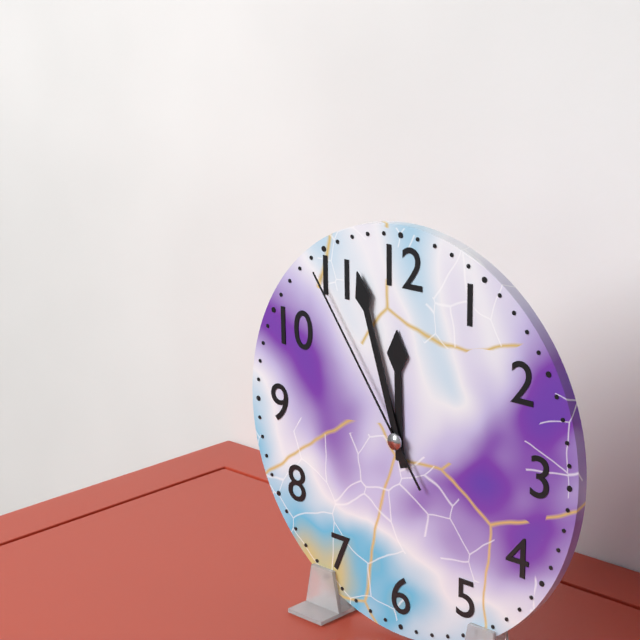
11:57:54
